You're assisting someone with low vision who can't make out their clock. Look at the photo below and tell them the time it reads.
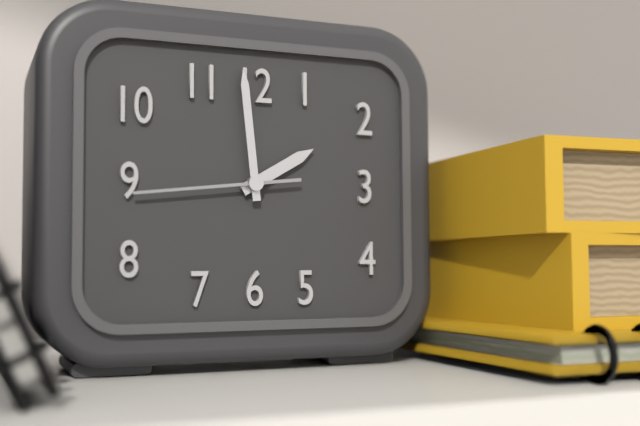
1:59:44
